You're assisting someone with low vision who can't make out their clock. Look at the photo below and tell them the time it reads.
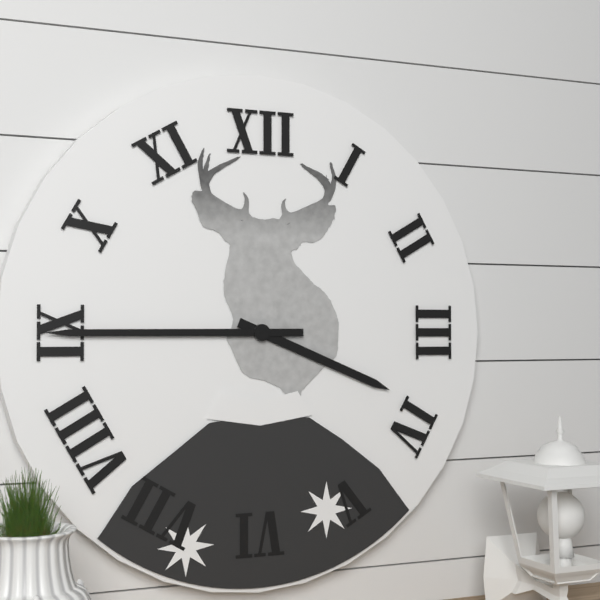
3:45
